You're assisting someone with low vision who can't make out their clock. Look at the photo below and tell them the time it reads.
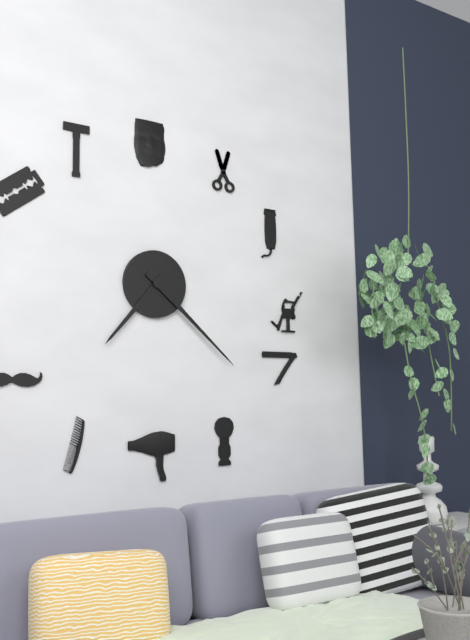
7:22
